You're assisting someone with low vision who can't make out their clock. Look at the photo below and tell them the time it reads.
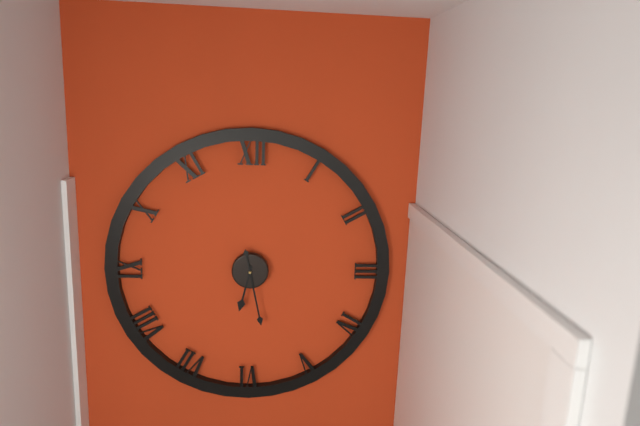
6:28
